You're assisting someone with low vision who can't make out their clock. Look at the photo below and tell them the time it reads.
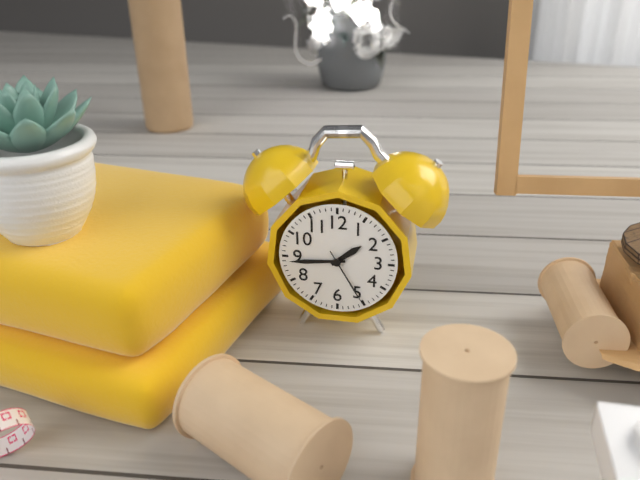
1:44:25
